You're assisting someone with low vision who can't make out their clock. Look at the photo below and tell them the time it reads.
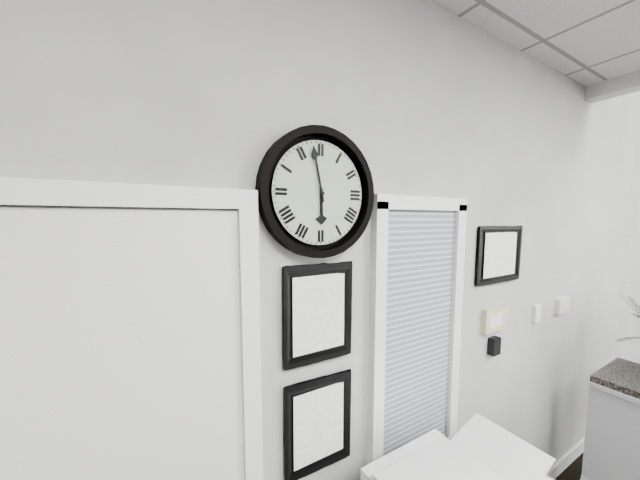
5:58
